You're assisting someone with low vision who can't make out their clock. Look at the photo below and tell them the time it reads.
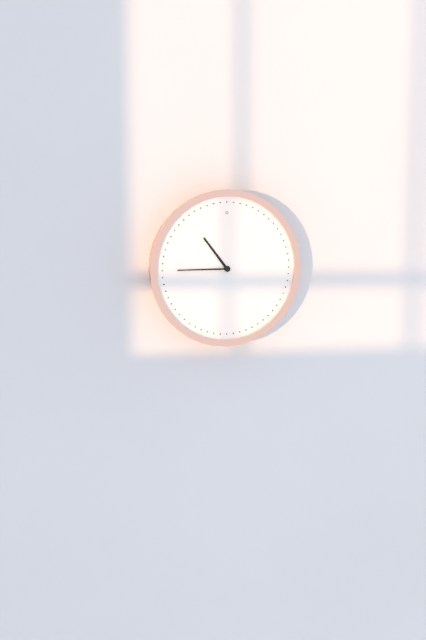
10:45
